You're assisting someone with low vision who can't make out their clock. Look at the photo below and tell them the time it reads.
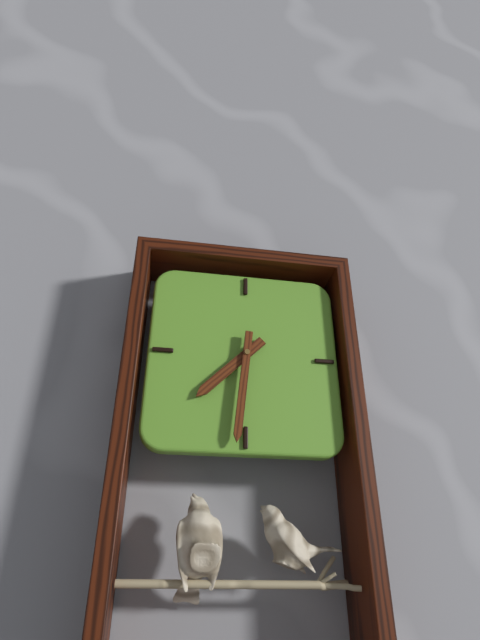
7:31
